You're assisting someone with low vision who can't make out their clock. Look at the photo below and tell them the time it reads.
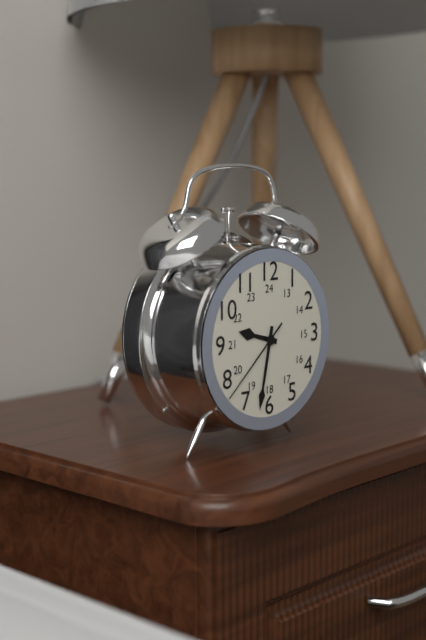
9:32:38
